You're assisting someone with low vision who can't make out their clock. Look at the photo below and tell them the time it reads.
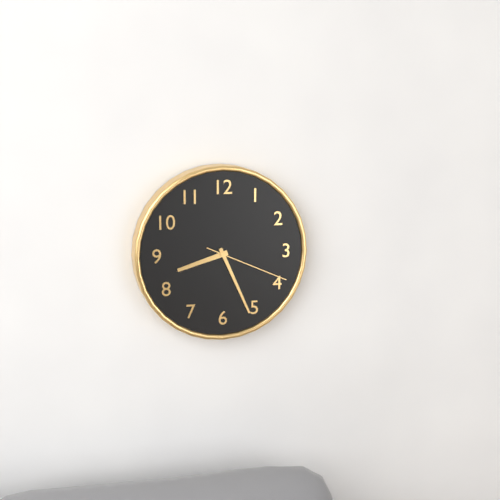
8:26:19
